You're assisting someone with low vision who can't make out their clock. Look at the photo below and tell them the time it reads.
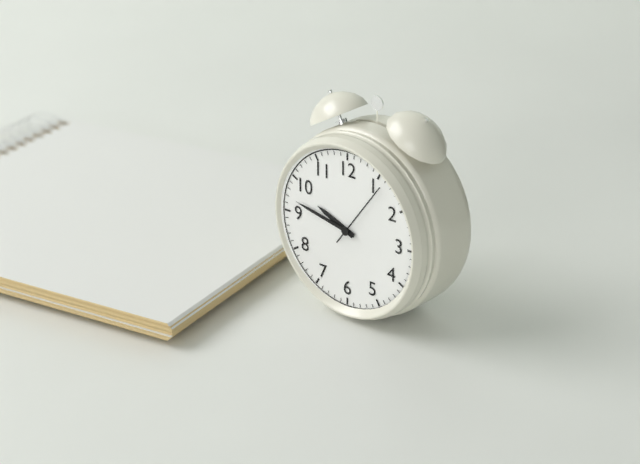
9:47:06
